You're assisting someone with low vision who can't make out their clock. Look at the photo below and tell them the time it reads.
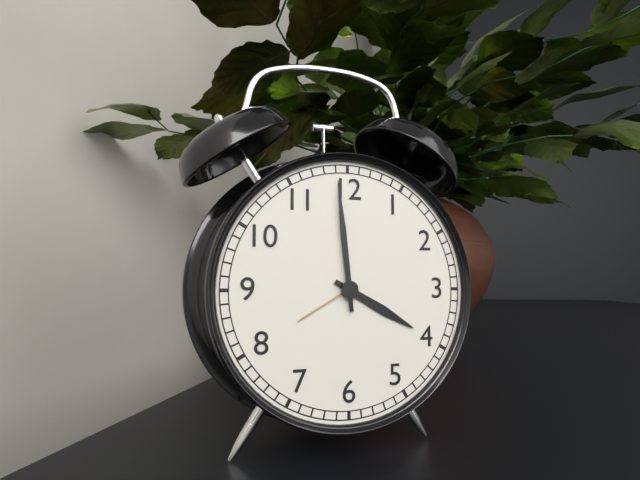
3:59
